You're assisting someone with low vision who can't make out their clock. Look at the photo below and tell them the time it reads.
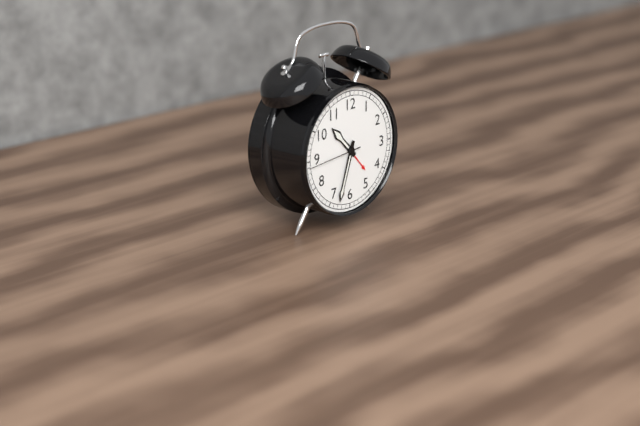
10:33:44
